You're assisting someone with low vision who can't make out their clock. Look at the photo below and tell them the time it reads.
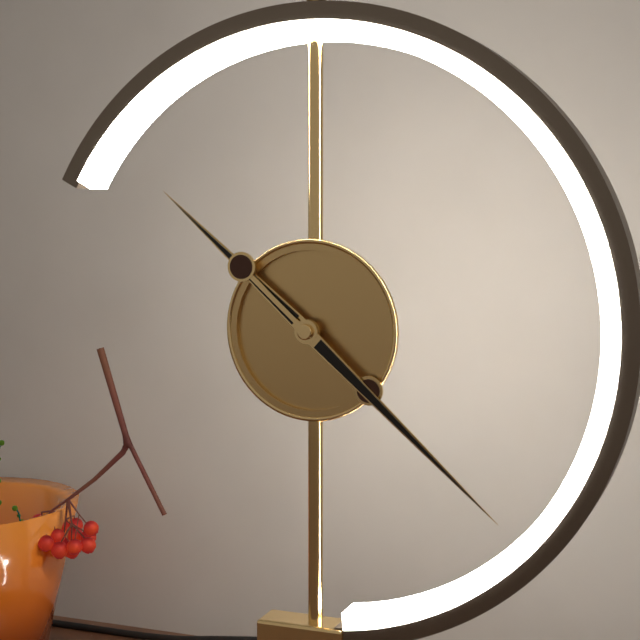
10:22
